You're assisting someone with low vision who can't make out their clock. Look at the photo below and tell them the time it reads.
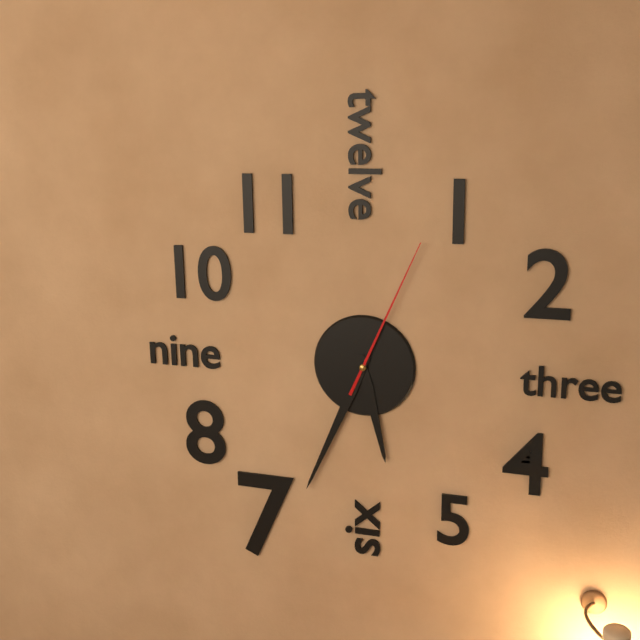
5:34:04
